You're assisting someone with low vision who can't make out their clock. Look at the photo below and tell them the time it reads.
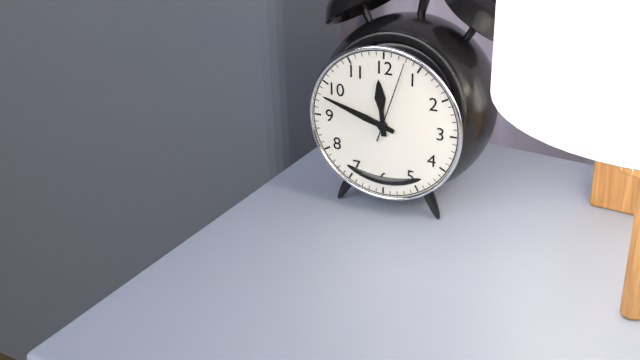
11:48:03
